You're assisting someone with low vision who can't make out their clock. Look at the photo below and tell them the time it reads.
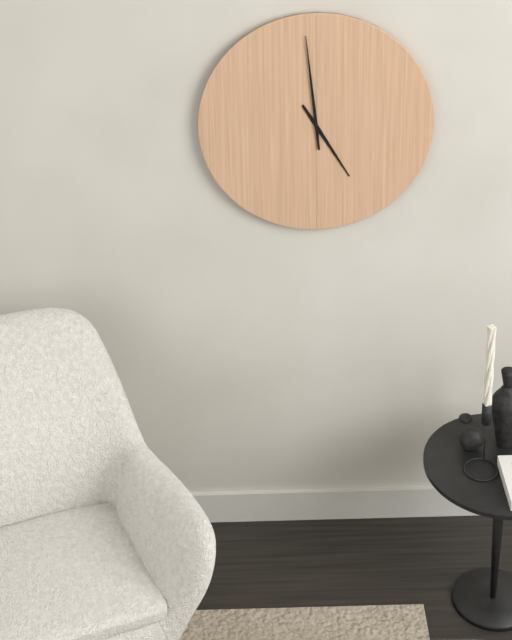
4:59
